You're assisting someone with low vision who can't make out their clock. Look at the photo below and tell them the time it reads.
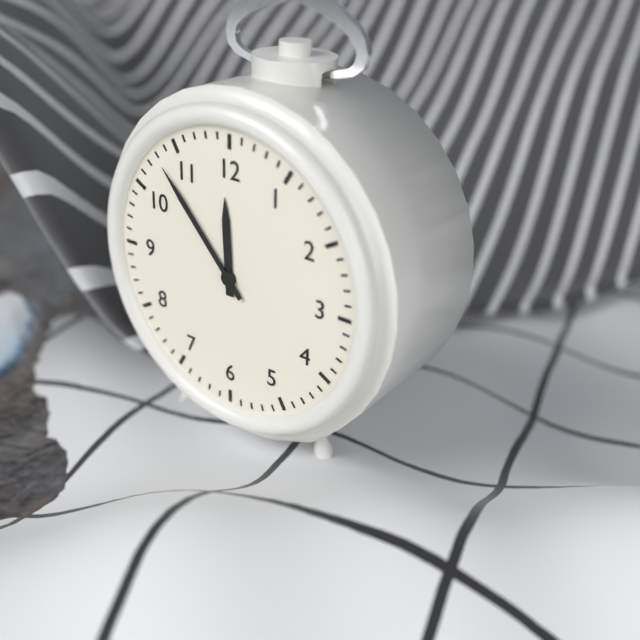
11:53
